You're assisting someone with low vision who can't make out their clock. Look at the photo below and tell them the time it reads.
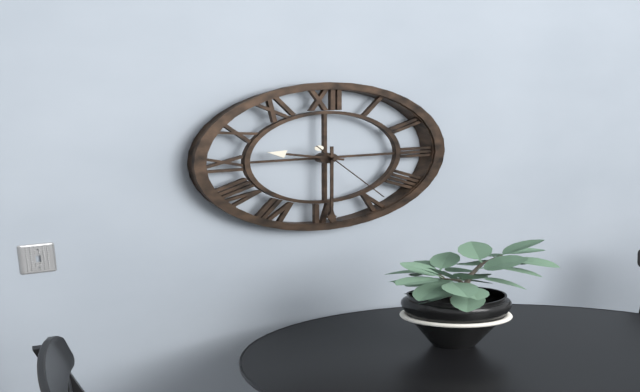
9:30:24
